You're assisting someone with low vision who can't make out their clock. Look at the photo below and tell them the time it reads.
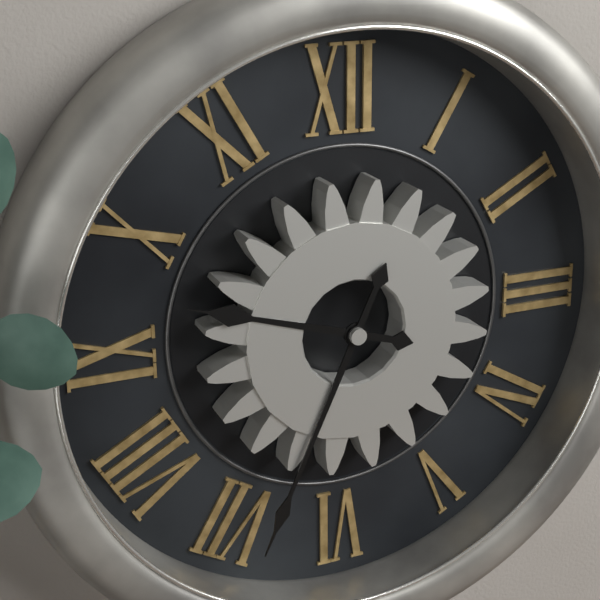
9:34
